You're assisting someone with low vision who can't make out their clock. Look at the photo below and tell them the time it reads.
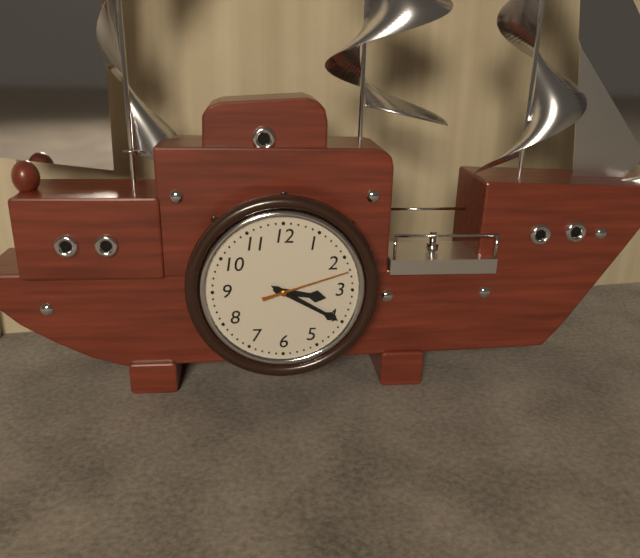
3:20:12
